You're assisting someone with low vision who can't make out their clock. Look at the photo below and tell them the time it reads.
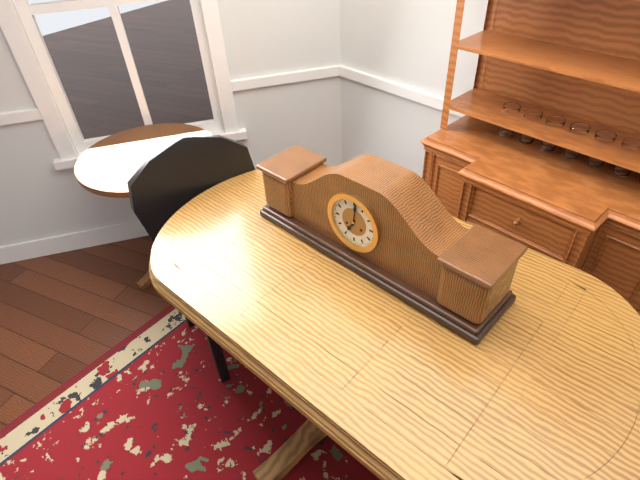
7:01
